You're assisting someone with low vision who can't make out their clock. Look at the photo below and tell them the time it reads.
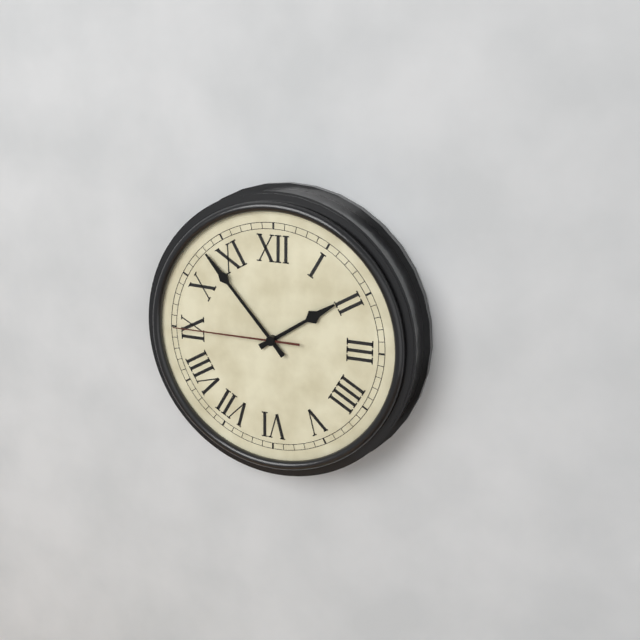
1:53:45
